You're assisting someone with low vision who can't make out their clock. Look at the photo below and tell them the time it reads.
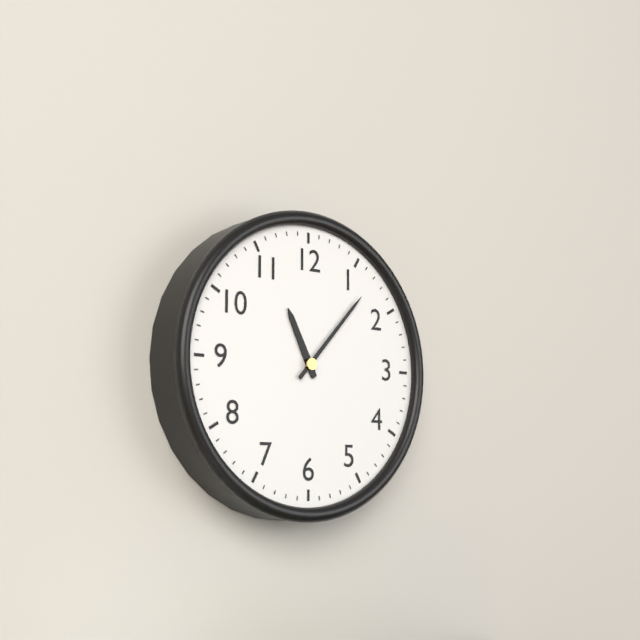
11:07
